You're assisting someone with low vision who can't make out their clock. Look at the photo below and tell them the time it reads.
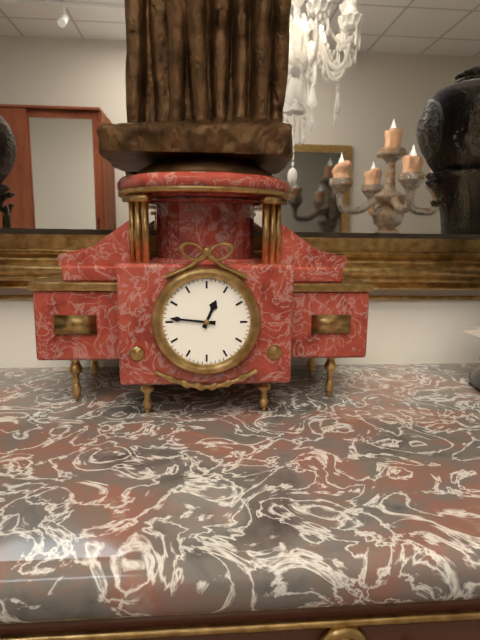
12:46
